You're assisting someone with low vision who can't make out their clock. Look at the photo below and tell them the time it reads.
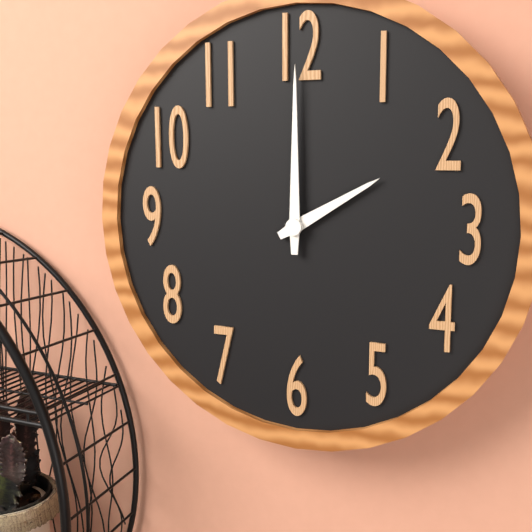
2:00
